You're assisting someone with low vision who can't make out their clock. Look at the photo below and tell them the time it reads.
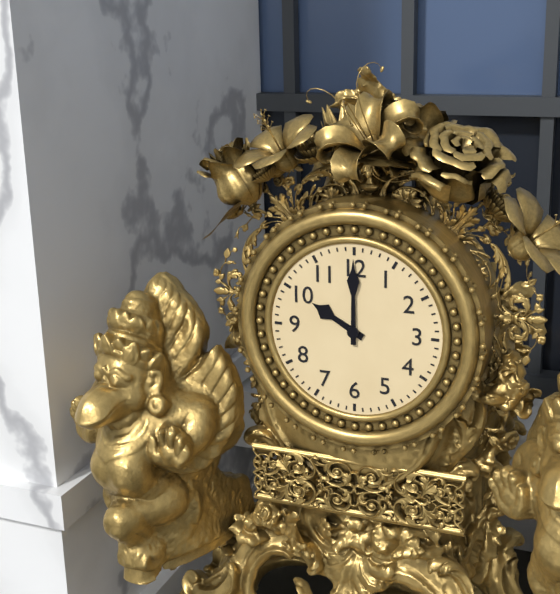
10:00
